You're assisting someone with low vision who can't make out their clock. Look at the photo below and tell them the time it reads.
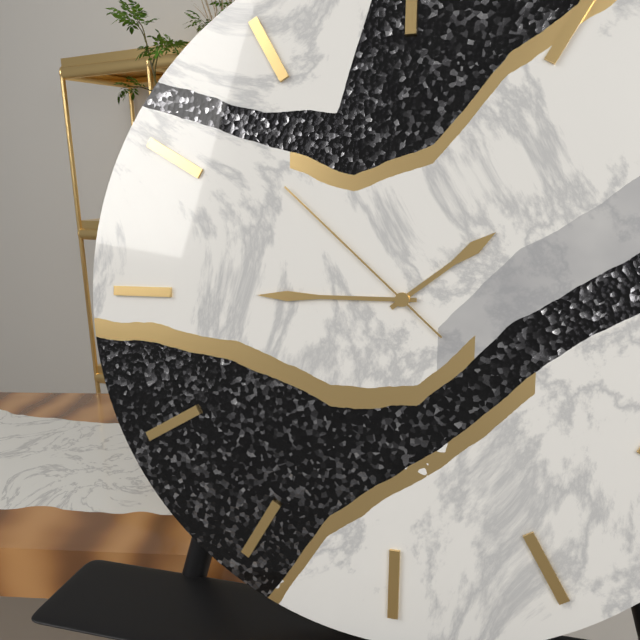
1:45:52
